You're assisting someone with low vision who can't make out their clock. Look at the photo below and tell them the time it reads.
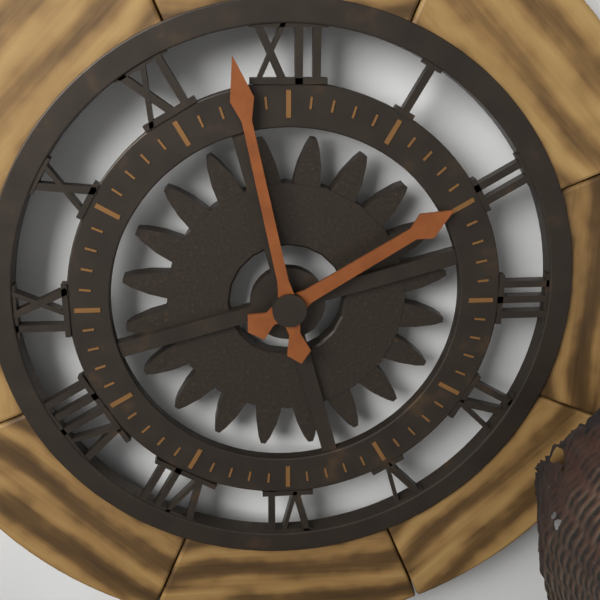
1:58
